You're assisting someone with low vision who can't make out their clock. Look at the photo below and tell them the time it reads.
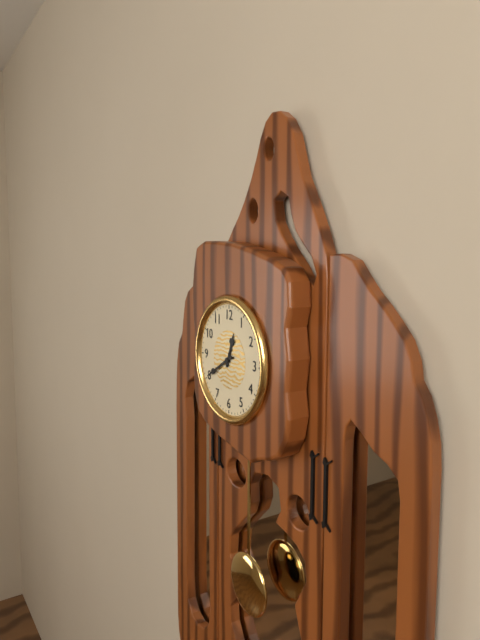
12:40
